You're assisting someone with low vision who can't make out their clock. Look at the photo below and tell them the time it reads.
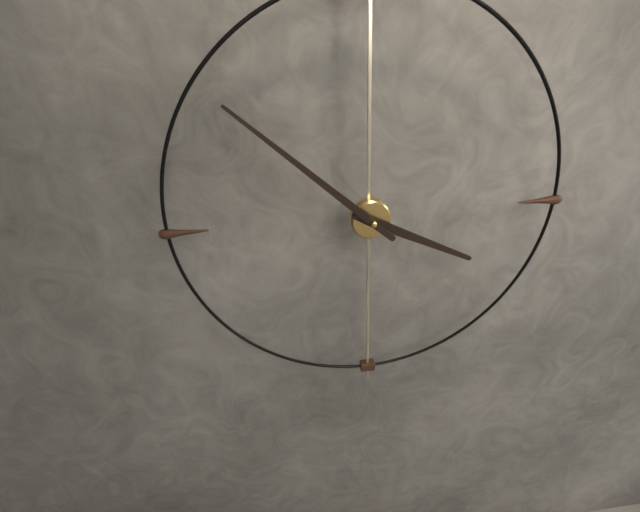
3:52
